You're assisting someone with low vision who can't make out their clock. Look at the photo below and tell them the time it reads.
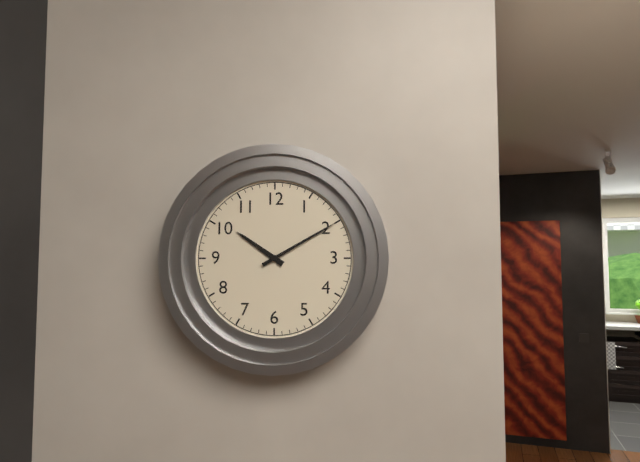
10:10
